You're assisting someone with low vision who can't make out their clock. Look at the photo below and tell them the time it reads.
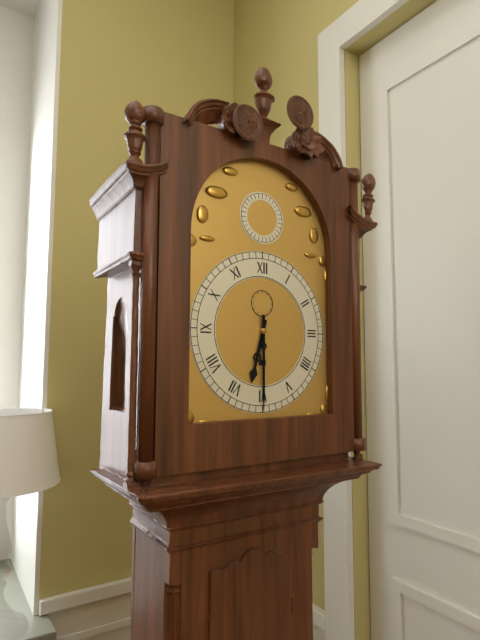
6:30
